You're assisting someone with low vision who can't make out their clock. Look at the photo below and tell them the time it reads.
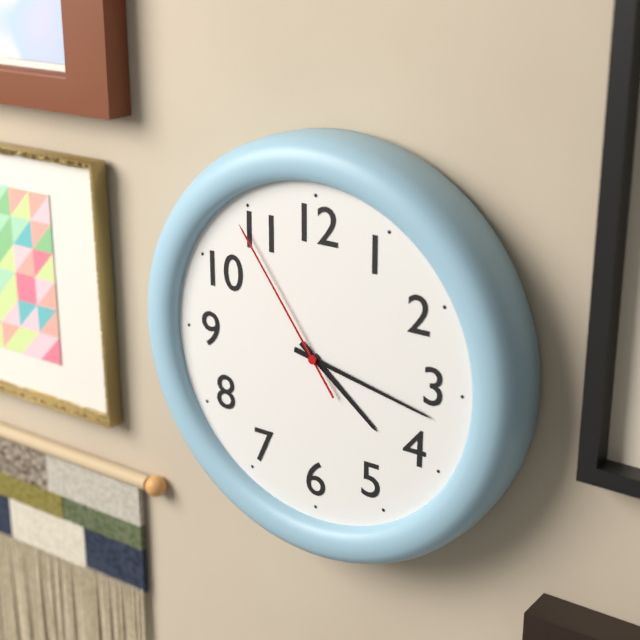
4:17:54
